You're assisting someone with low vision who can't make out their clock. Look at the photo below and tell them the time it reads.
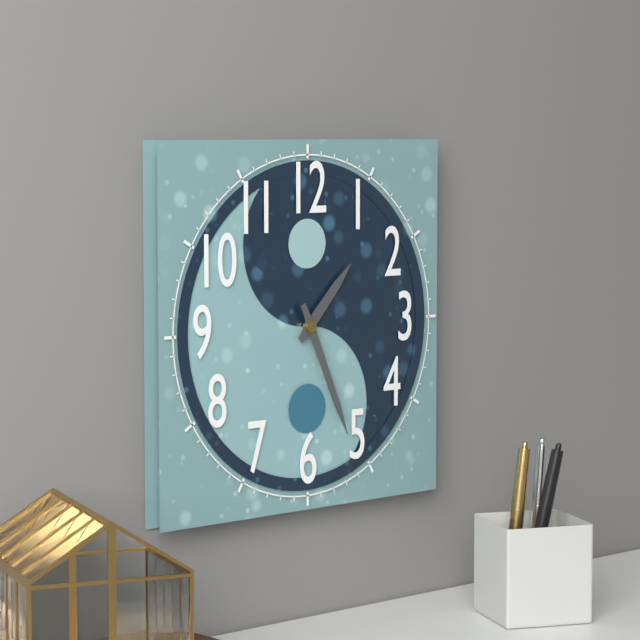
1:26
